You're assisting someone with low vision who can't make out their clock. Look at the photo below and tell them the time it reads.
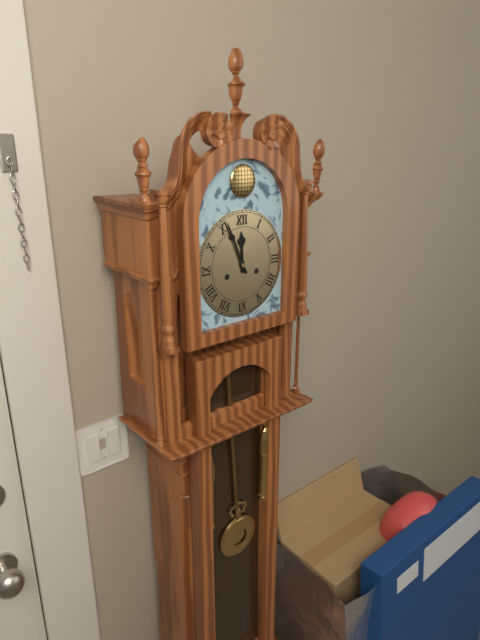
11:56
